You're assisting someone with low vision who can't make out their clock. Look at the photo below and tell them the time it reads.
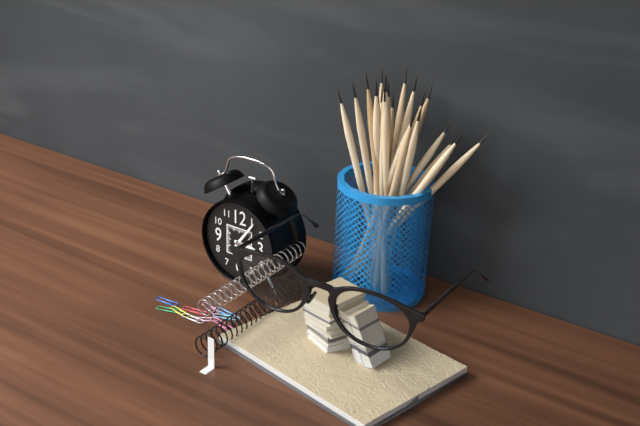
3:06
